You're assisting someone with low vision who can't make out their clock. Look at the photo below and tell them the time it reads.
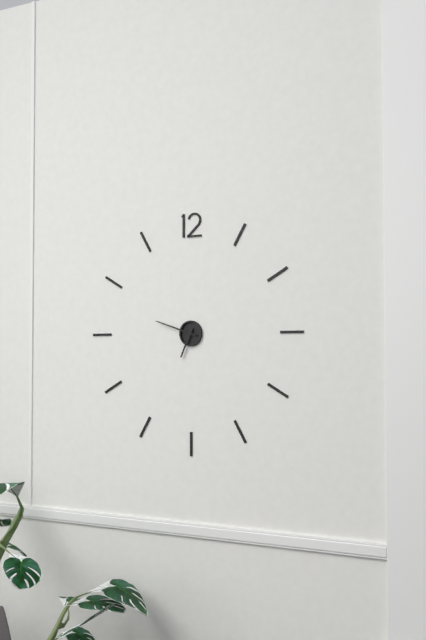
6:48
